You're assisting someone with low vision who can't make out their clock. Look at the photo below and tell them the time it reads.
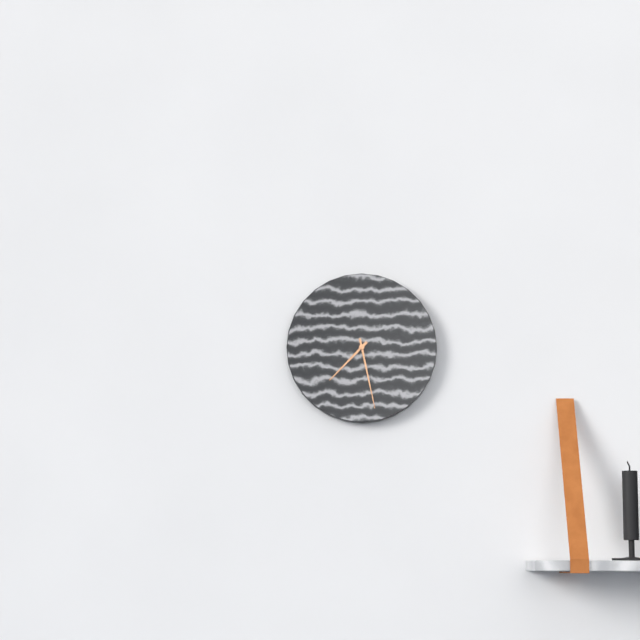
7:28
